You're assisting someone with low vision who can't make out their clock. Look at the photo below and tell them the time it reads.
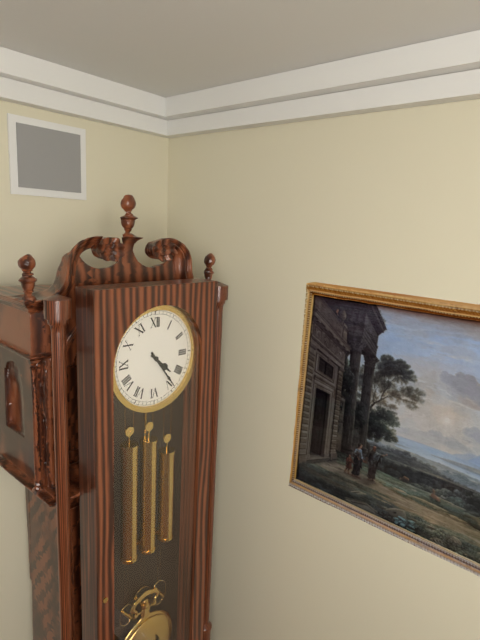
4:24
